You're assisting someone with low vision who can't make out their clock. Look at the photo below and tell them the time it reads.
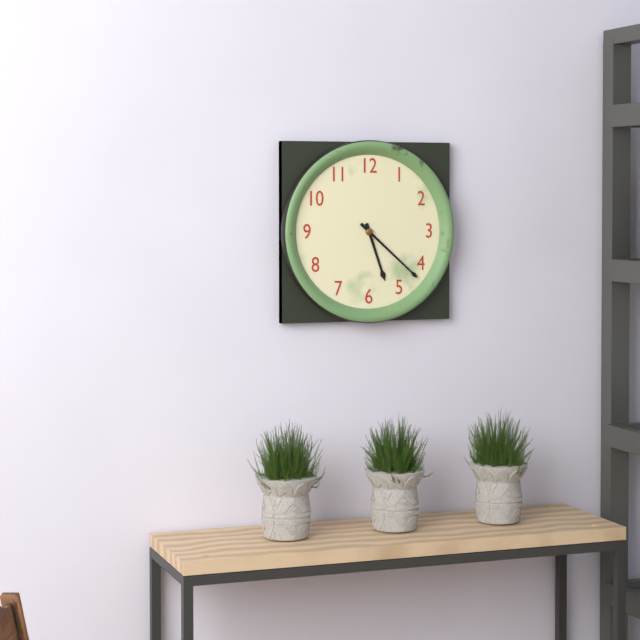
5:22
